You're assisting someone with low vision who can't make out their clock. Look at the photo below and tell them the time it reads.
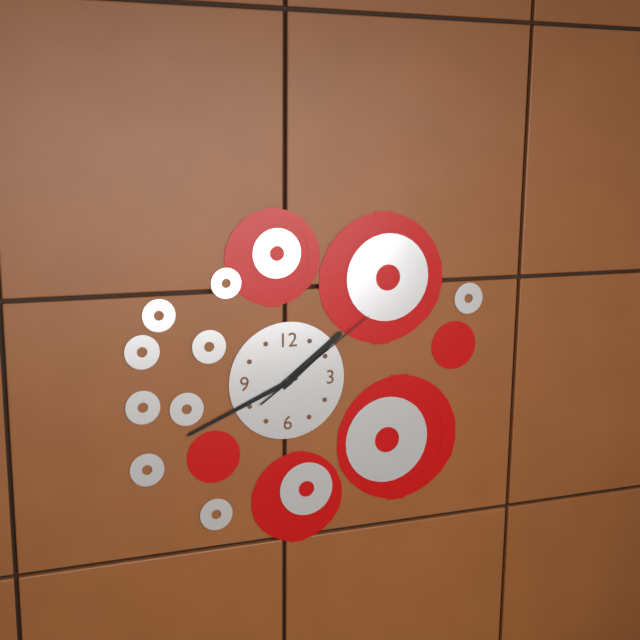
1:41:09
